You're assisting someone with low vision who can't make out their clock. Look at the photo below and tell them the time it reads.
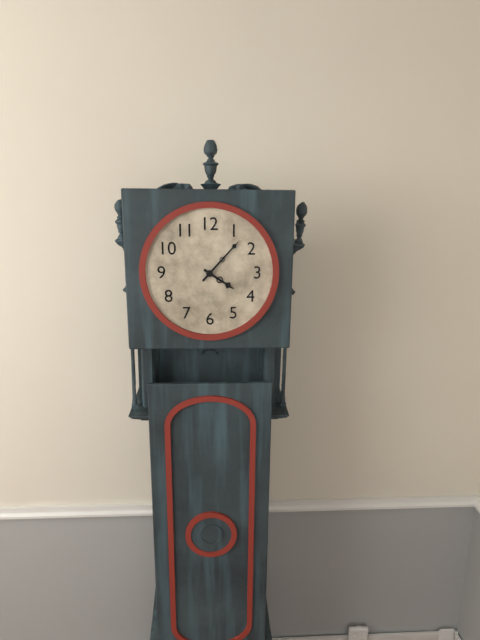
4:07
